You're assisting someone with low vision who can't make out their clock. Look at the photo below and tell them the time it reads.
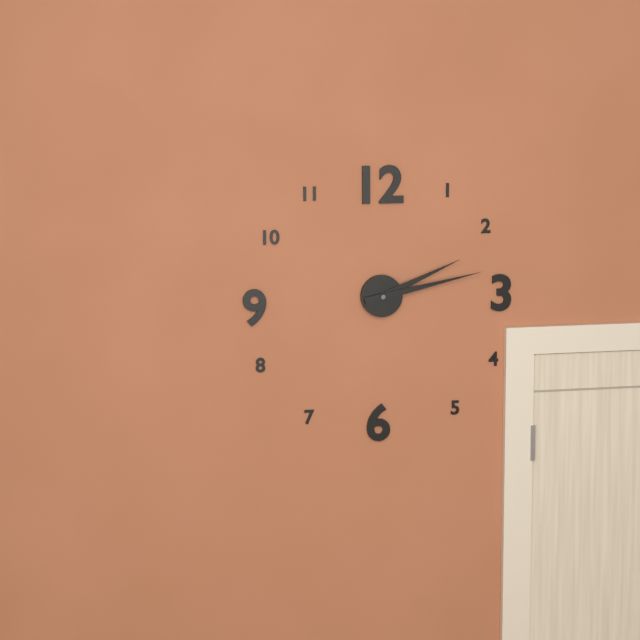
2:13
